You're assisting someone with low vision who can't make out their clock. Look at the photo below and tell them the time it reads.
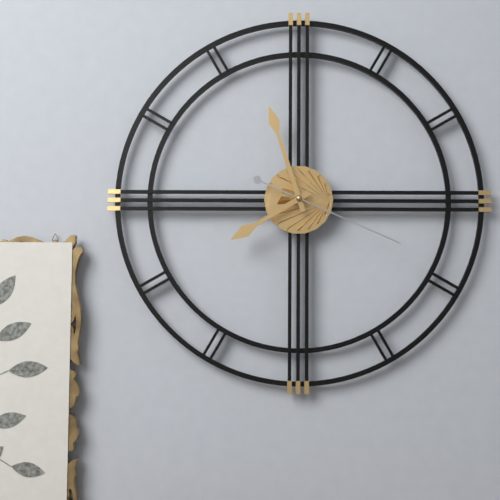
7:57:19
